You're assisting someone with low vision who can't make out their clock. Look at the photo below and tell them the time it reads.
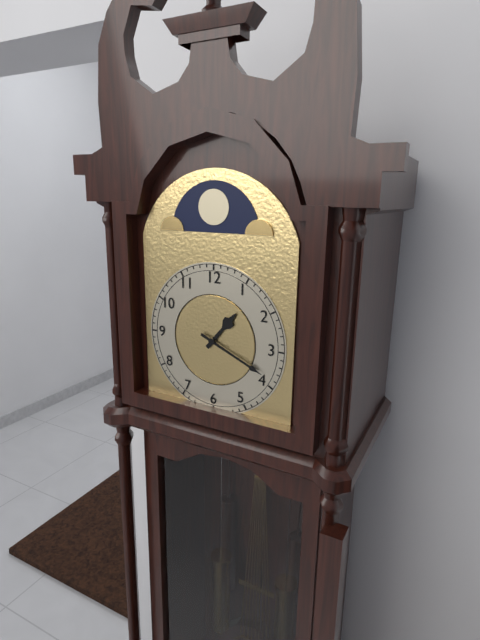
1:19
